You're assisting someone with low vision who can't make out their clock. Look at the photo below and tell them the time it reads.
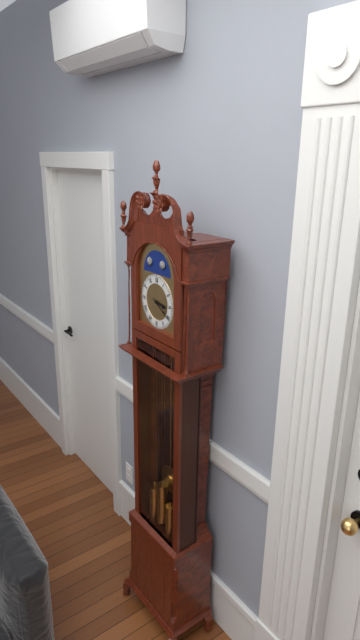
3:20
